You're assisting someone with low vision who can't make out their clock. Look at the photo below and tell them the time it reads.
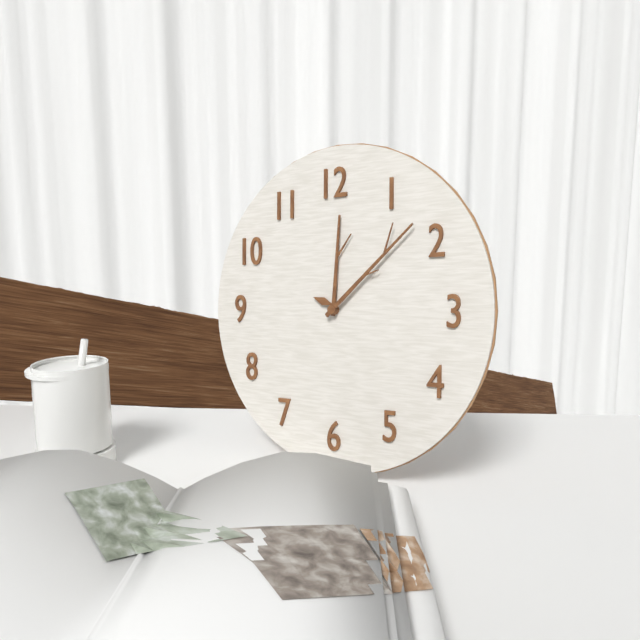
12:08
